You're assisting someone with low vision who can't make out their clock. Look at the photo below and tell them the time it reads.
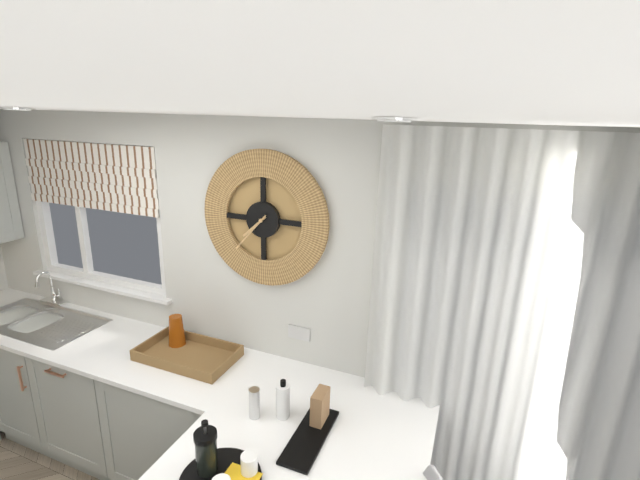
7:37
